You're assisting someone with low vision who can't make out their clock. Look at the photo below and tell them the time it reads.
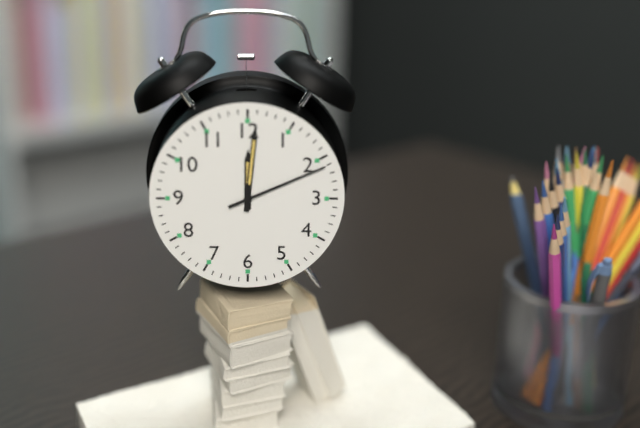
12:01:11
